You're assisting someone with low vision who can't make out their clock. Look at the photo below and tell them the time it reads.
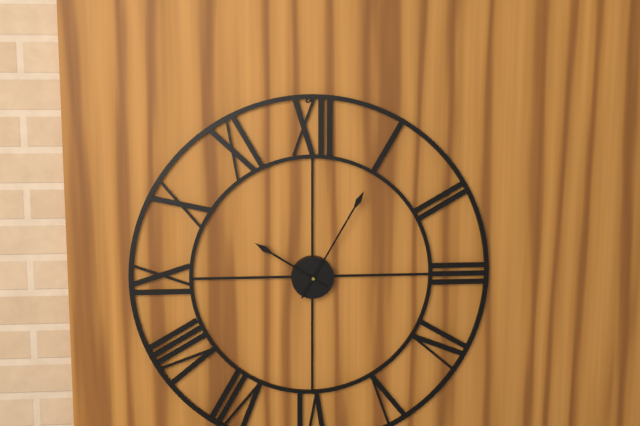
10:05
